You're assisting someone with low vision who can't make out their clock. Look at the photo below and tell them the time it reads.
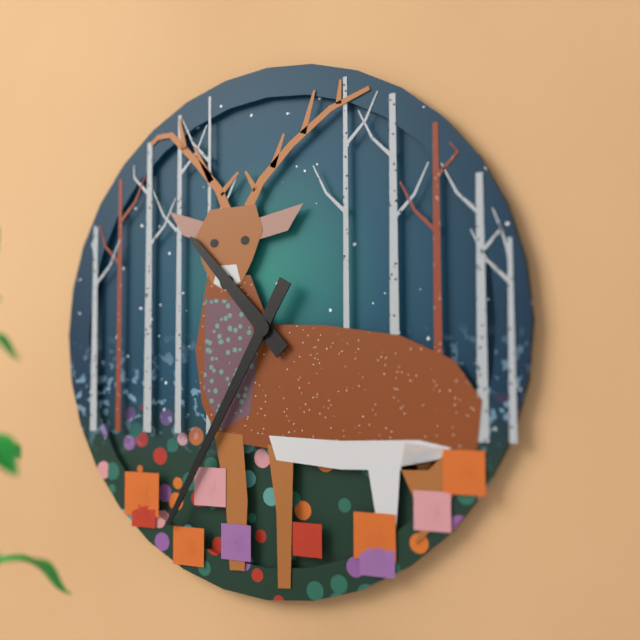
10:35
